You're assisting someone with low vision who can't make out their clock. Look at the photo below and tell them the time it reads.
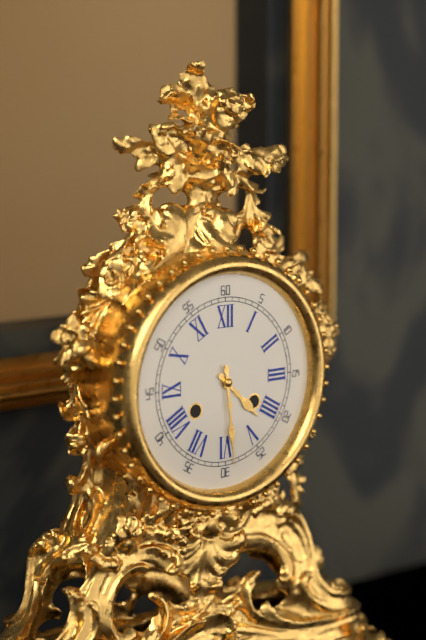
4:29
